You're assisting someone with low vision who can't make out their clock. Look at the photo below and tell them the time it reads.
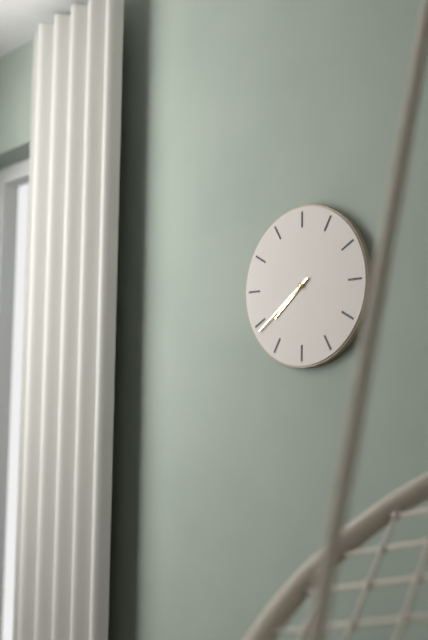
7:39
